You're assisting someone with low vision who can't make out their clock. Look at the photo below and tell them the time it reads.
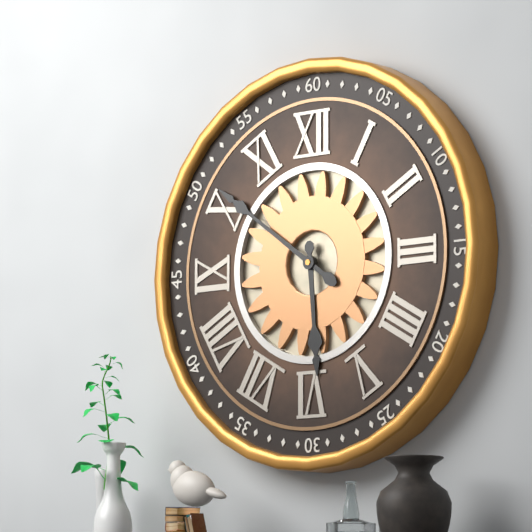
5:51
